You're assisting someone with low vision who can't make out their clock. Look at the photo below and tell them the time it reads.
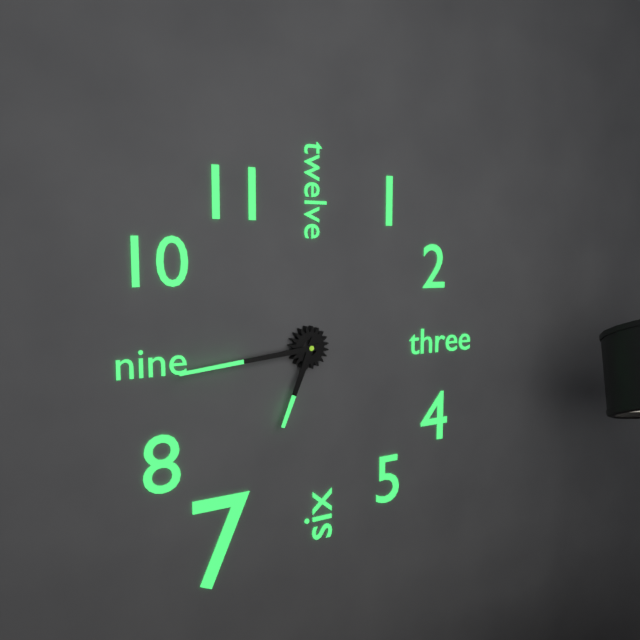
6:44
